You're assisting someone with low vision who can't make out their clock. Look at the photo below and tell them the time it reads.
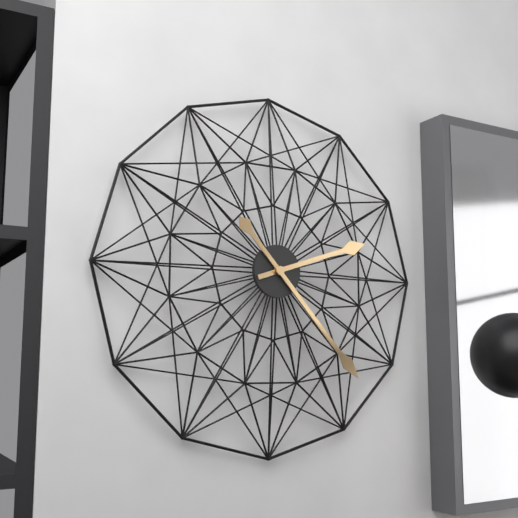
2:23
